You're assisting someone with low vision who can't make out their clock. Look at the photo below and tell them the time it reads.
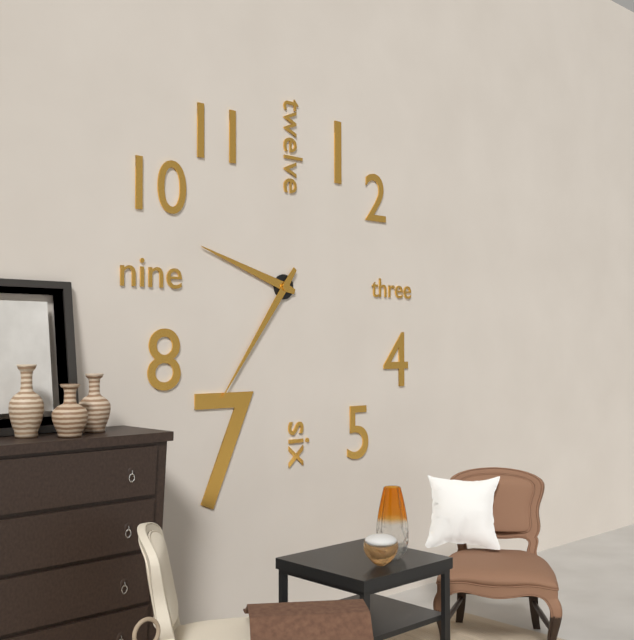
9:36
